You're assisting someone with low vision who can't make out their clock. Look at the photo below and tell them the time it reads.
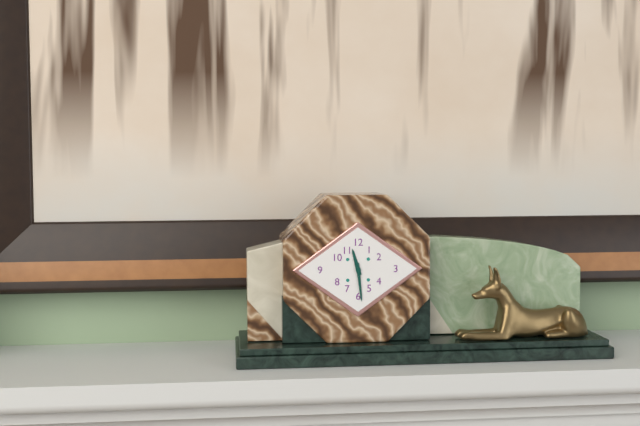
11:29
